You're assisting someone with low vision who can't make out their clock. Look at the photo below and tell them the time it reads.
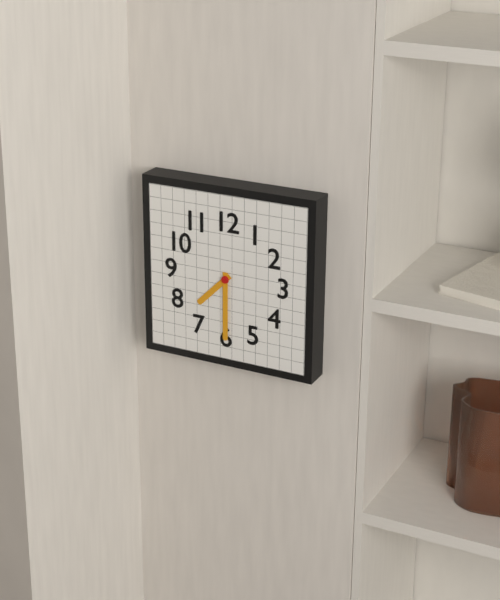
7:30
